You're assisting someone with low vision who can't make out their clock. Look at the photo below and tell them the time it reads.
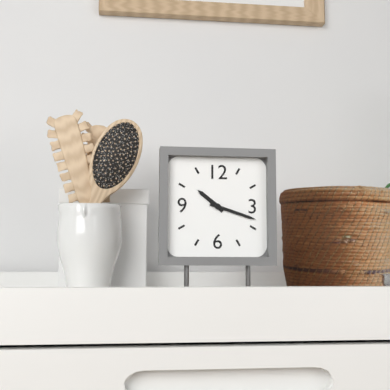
10:18
